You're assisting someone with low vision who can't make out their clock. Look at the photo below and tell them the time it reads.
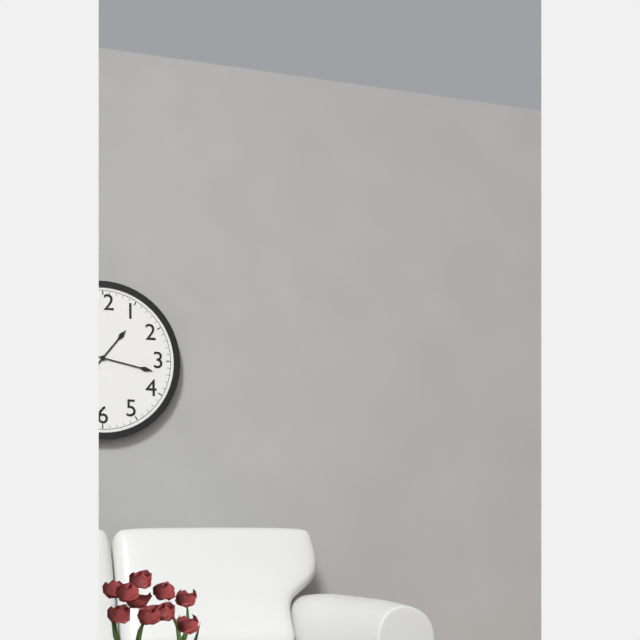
1:17
